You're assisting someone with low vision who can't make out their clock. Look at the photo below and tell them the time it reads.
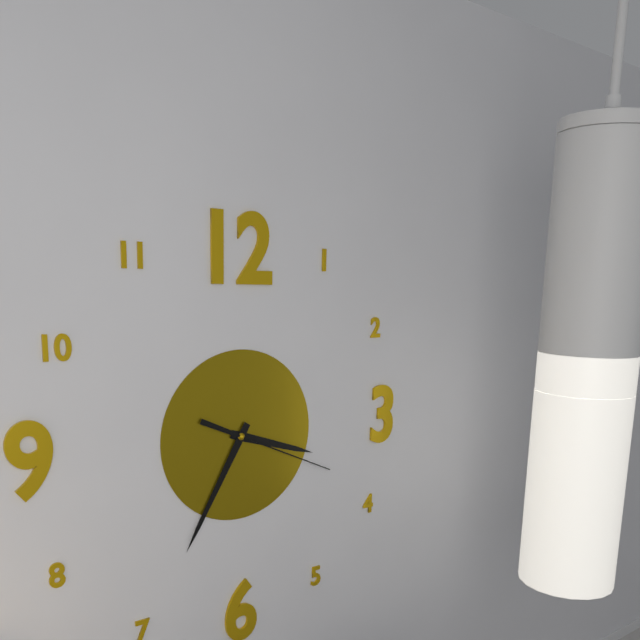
3:35:19
